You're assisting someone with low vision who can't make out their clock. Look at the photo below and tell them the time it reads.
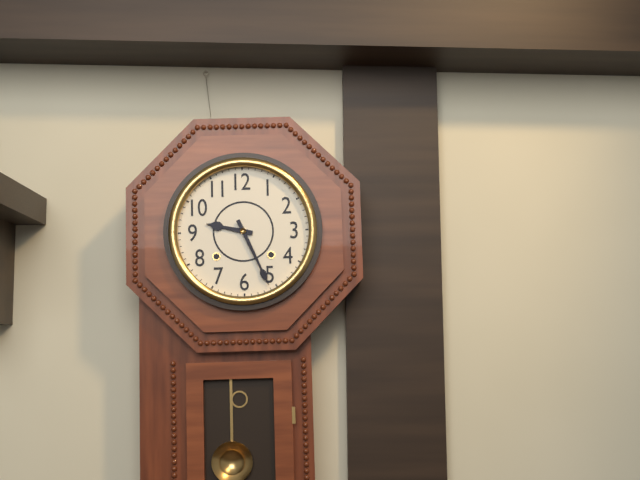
9:26
